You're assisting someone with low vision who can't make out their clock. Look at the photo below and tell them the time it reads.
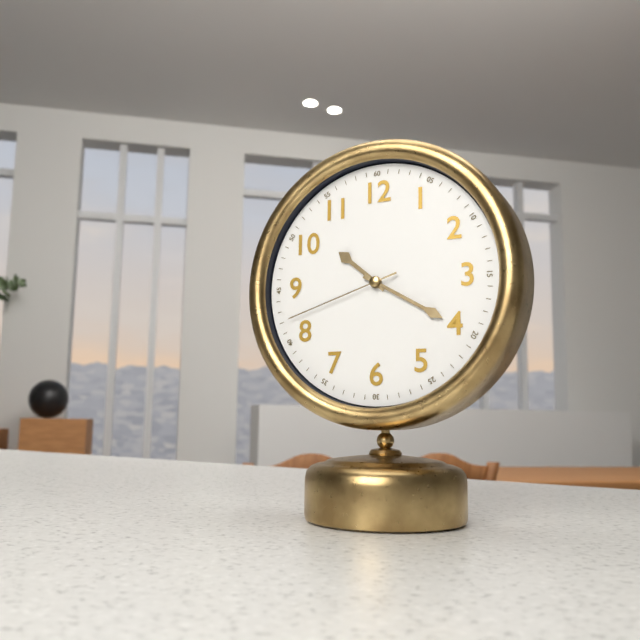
10:20:42
